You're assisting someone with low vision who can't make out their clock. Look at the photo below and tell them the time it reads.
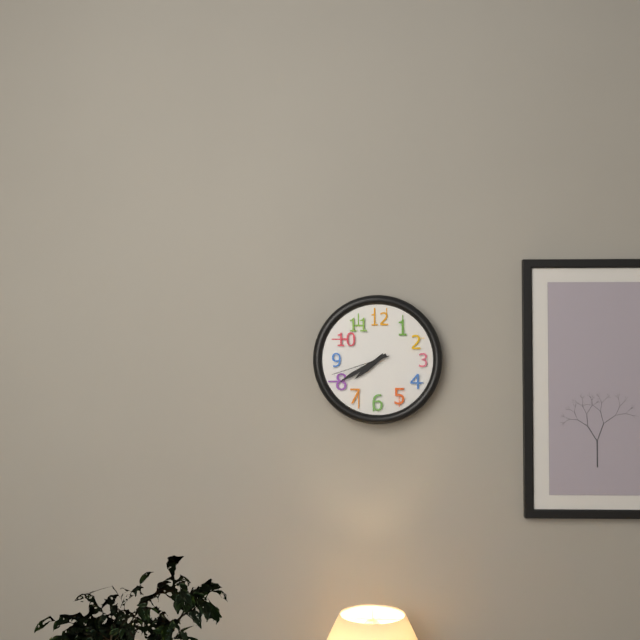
7:40:42
